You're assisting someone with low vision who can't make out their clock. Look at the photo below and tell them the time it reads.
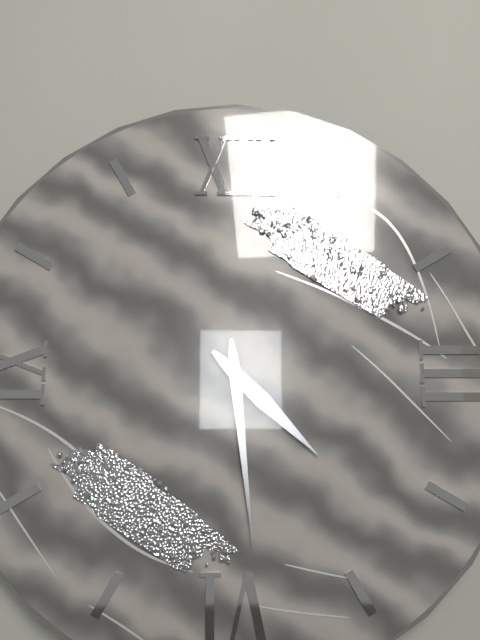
4:29
